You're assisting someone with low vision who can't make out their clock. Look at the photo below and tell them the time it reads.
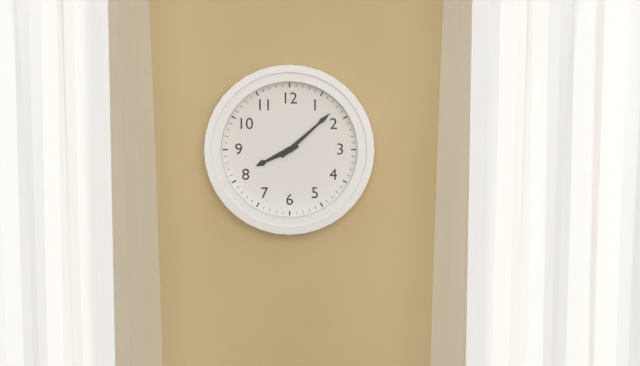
8:08
